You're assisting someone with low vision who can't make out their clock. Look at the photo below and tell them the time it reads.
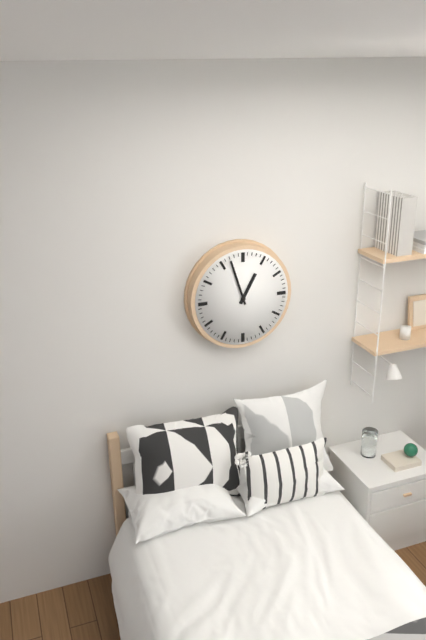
12:57
